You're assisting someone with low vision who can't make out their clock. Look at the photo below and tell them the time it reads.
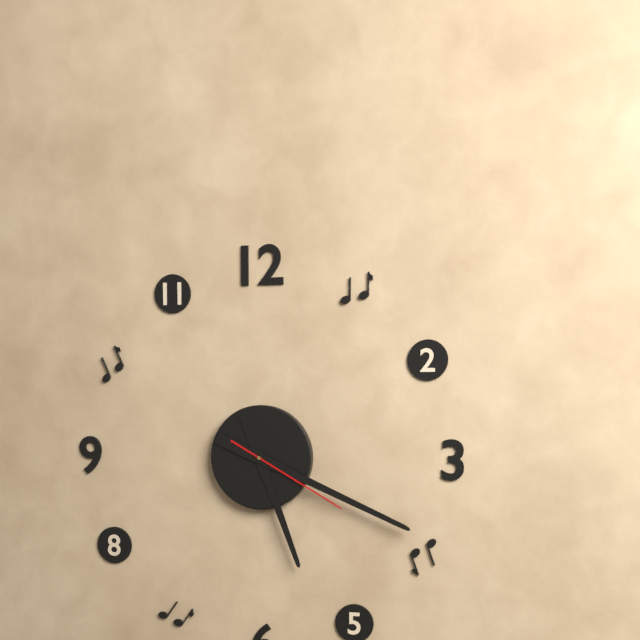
5:19:20
